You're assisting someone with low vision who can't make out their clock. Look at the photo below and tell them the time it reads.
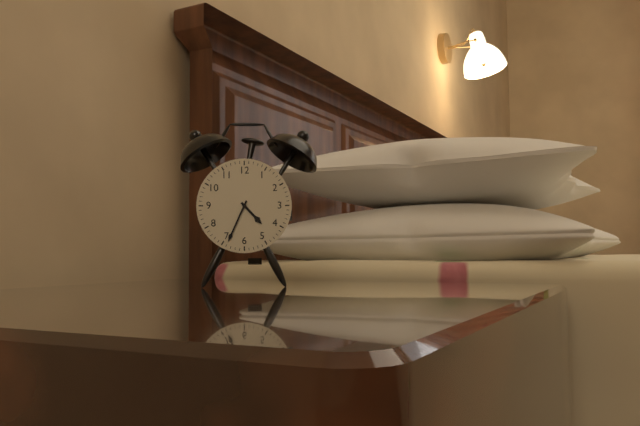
4:34
